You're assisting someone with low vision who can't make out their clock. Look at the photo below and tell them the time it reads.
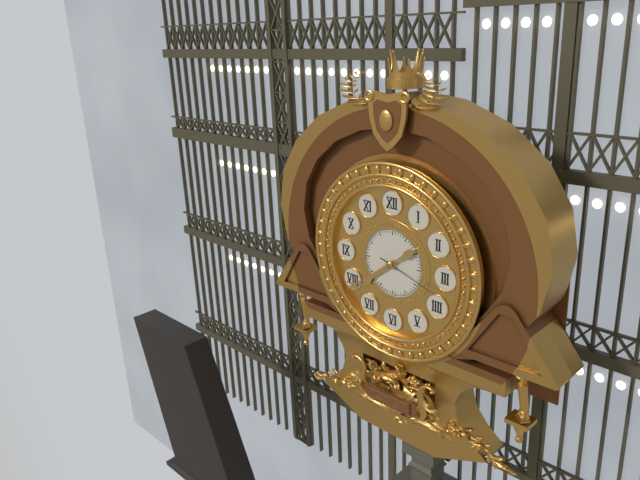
7:39:18
